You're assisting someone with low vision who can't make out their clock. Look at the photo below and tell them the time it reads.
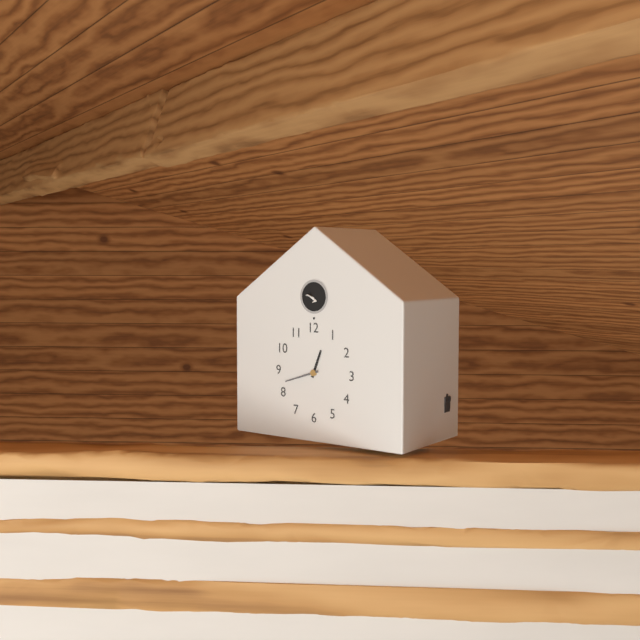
12:42
